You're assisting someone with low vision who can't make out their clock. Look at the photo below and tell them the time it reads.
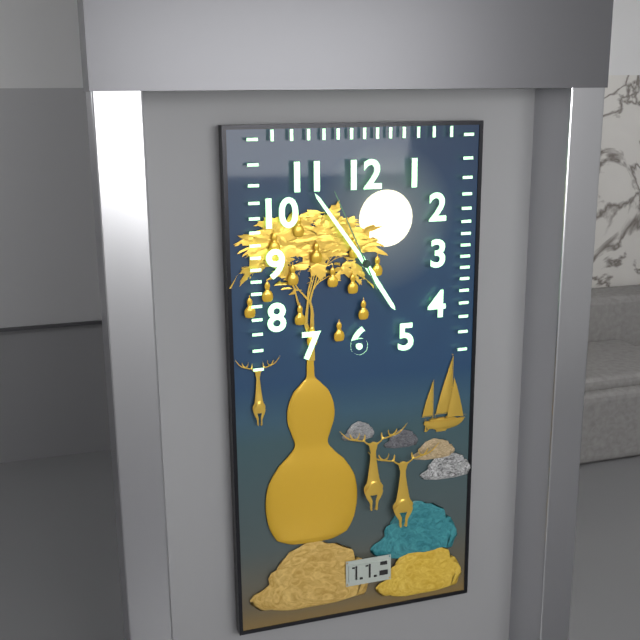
4:54:56
